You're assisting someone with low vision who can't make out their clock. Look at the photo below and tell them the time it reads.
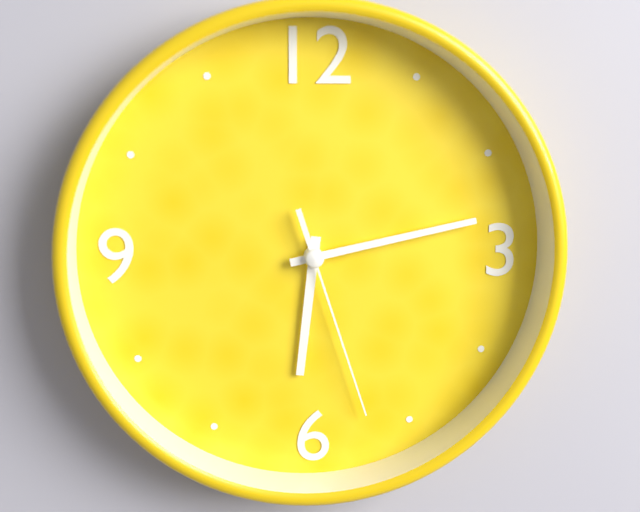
6:13:27
